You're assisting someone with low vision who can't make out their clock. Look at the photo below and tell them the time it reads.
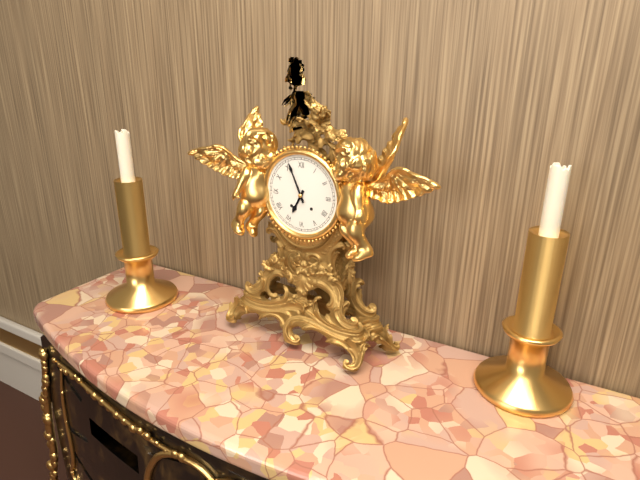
6:56
